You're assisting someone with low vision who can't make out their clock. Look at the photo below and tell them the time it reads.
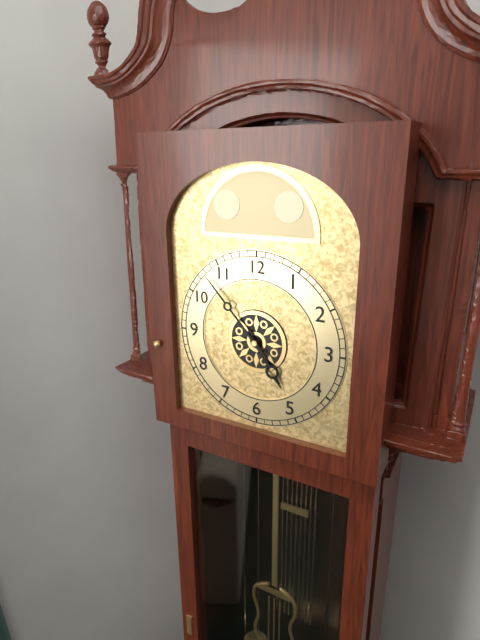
4:53
